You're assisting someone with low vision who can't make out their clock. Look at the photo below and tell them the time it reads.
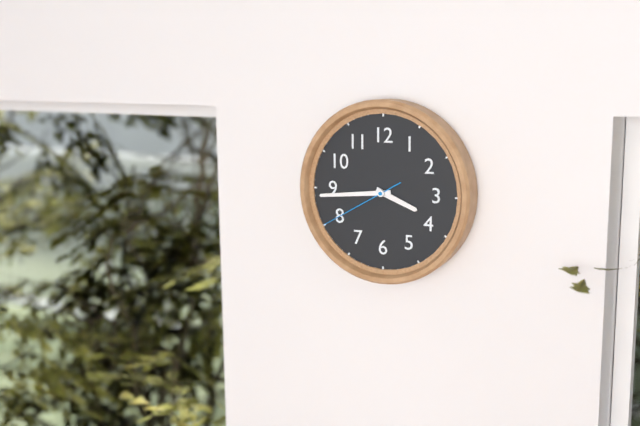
3:44:40
